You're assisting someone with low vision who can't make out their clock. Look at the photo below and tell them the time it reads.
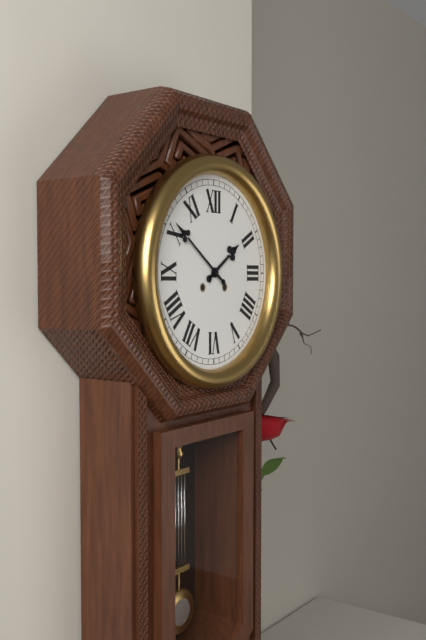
1:51
